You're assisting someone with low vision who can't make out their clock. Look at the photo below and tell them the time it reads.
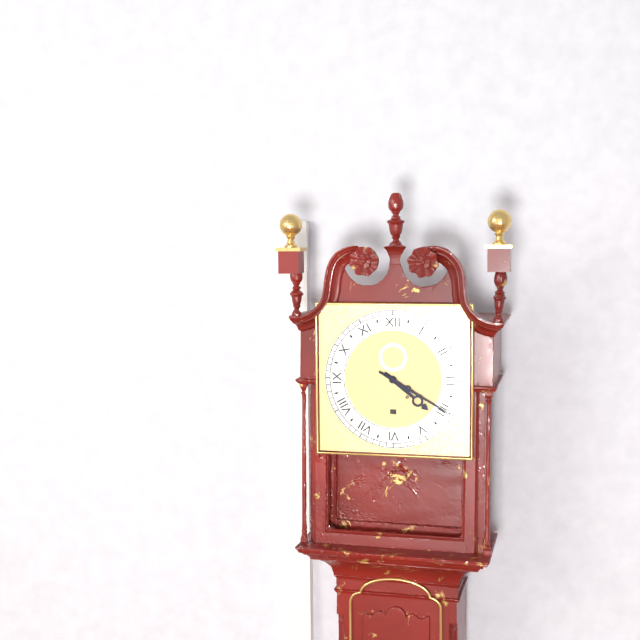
4:20
